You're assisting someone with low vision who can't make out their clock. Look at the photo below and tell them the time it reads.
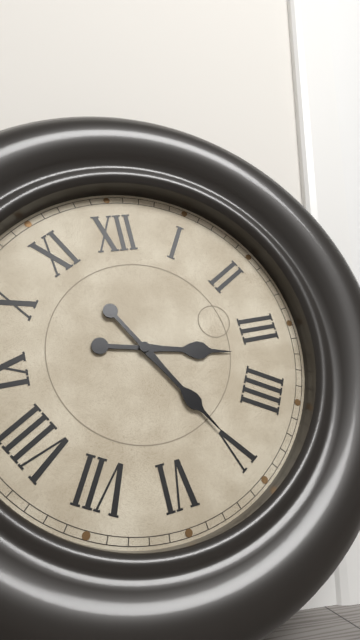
3:25
